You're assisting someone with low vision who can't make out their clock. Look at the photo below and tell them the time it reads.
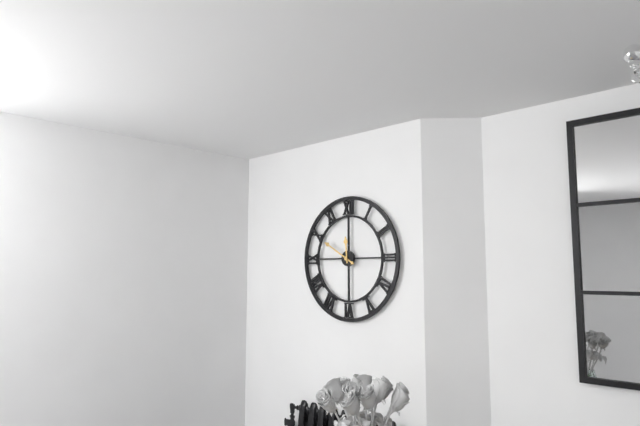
11:50
